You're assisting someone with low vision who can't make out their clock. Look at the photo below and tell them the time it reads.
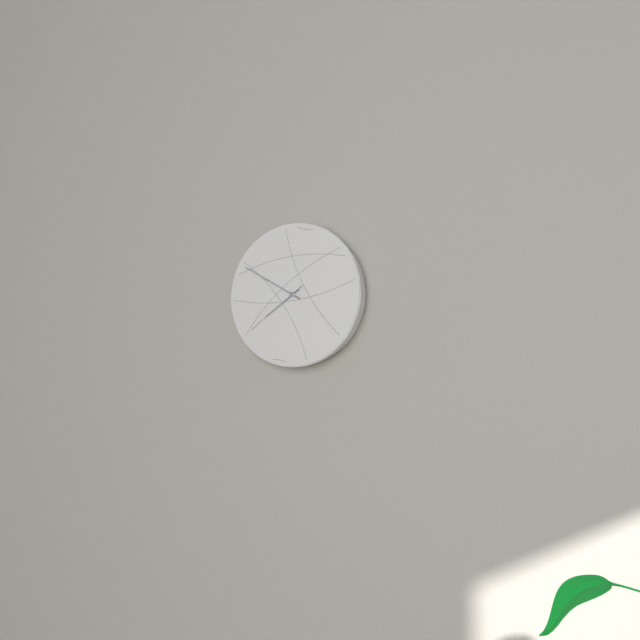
7:50:39
